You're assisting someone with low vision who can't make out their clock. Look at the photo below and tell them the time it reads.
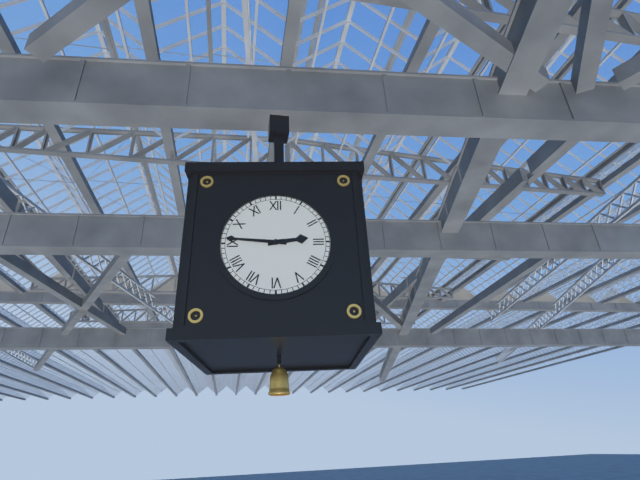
2:46
